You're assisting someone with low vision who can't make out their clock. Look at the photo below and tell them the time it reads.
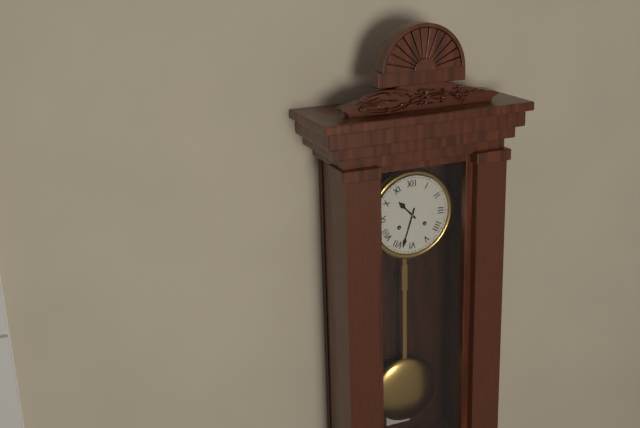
10:33
